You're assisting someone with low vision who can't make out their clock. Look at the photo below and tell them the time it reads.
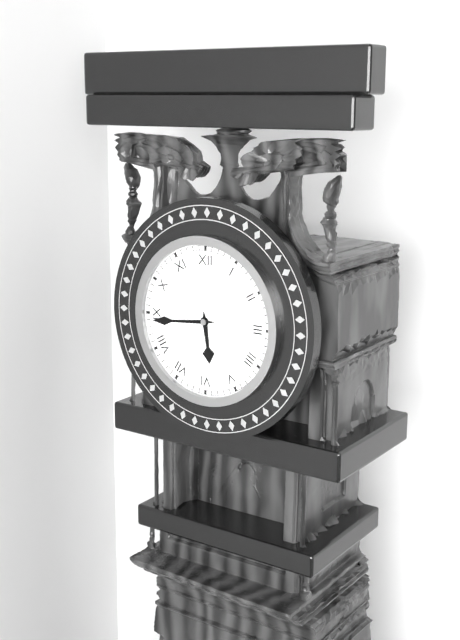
5:44
